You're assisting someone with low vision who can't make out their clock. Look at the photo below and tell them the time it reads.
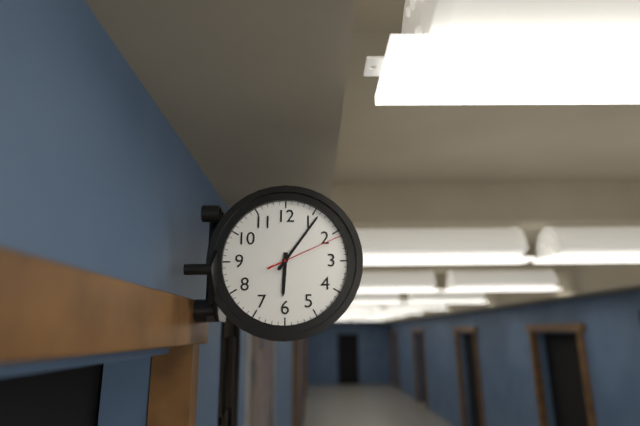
6:06:11
